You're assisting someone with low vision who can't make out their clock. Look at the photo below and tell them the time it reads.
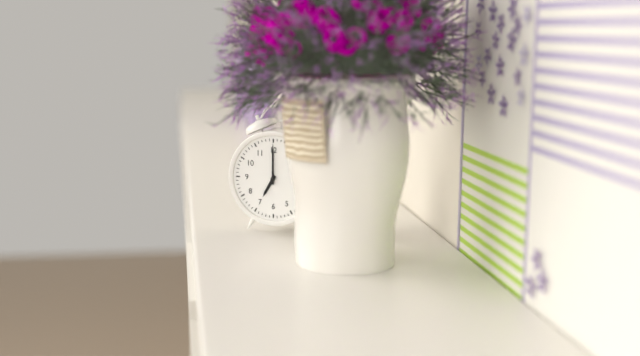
7:00
